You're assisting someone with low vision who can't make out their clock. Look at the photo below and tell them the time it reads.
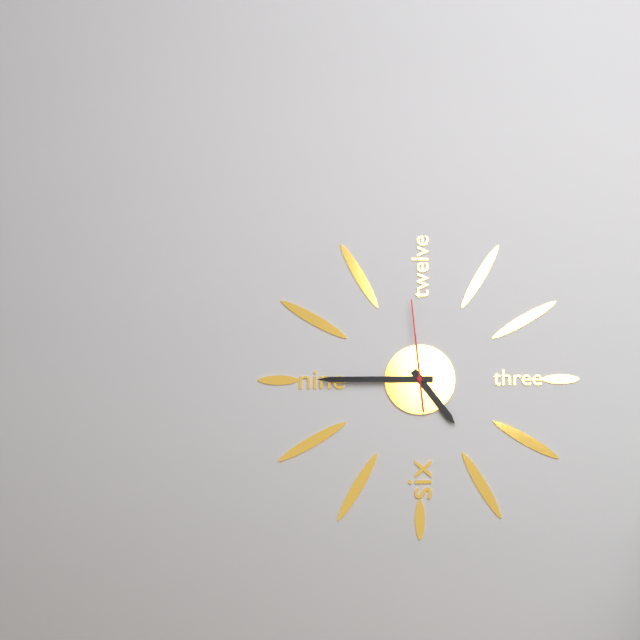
4:45:59
